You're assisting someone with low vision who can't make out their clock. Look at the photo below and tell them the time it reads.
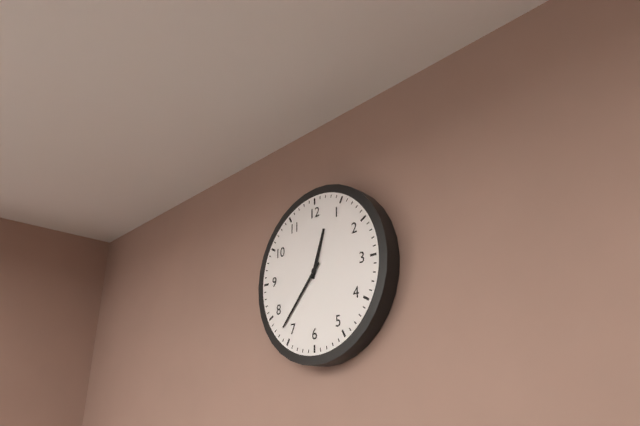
12:37
